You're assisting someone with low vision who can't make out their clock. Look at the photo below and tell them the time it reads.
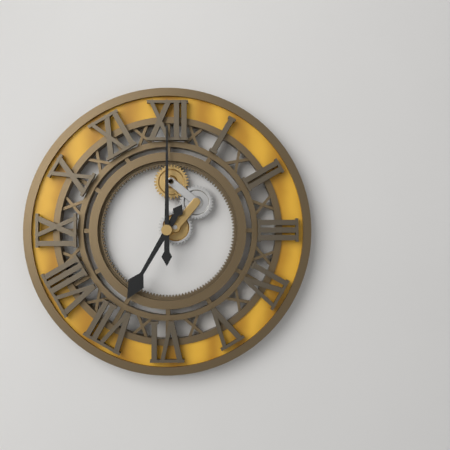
7:00
